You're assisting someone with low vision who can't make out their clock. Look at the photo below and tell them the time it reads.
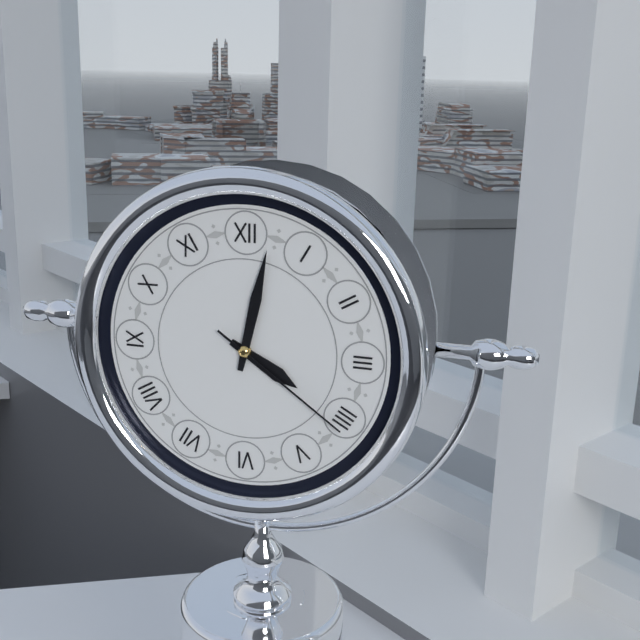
4:02:21
